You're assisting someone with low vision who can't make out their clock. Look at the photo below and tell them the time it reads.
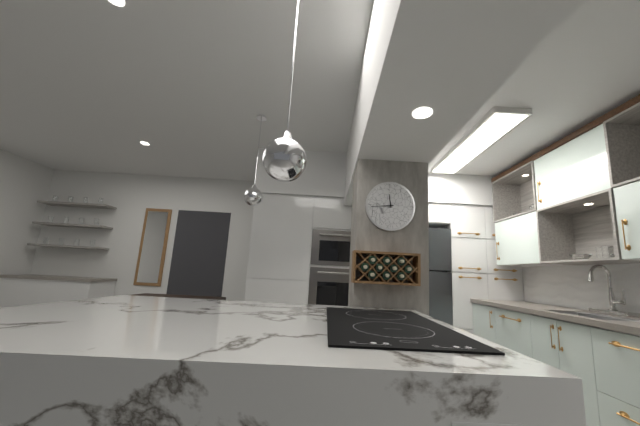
11:44
